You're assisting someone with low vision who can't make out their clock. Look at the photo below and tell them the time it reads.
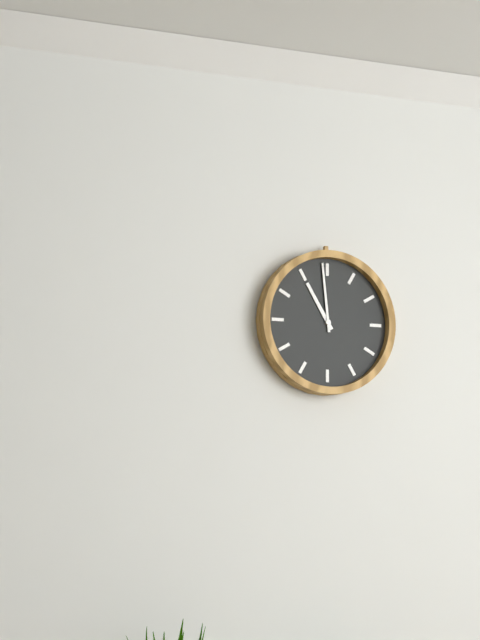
10:59
